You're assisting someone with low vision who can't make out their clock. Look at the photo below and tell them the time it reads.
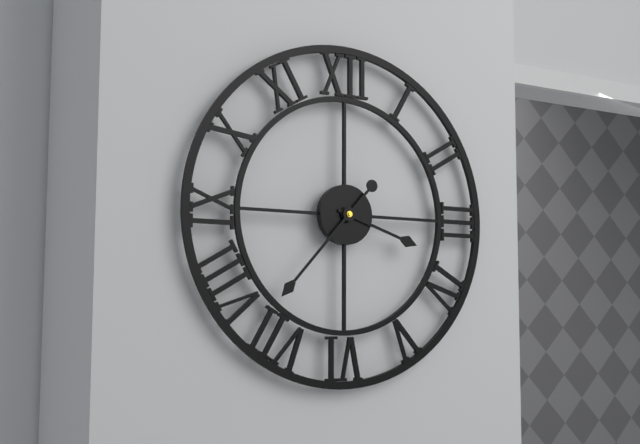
3:37
